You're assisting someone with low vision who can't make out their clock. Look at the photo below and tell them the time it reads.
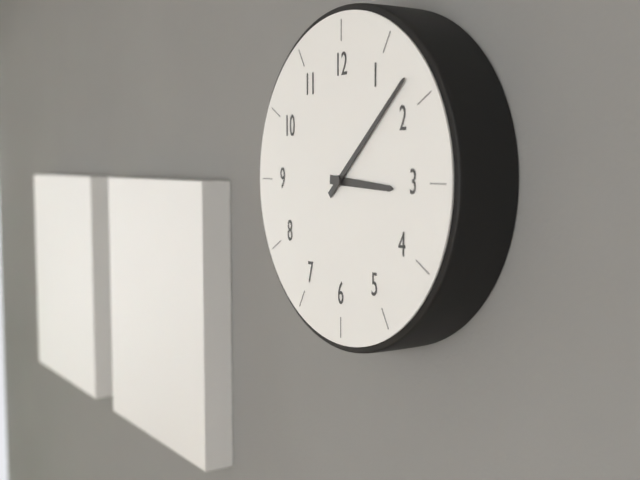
3:08
